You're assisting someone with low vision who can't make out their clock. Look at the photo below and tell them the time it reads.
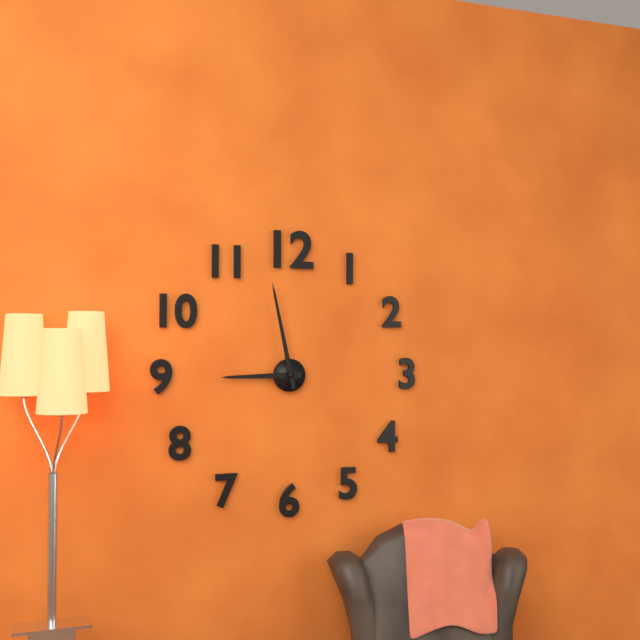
8:58
